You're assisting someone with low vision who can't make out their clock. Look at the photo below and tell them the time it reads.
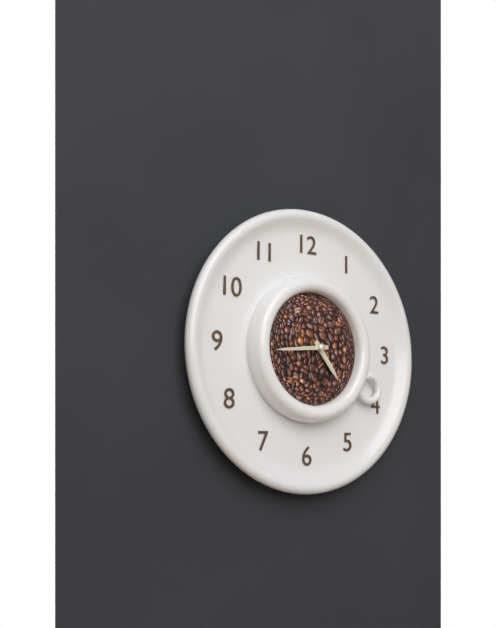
4:44
